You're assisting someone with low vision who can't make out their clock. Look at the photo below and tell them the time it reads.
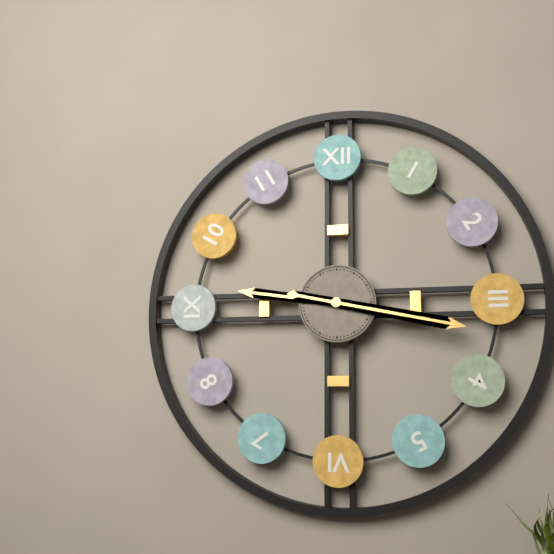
9:17
